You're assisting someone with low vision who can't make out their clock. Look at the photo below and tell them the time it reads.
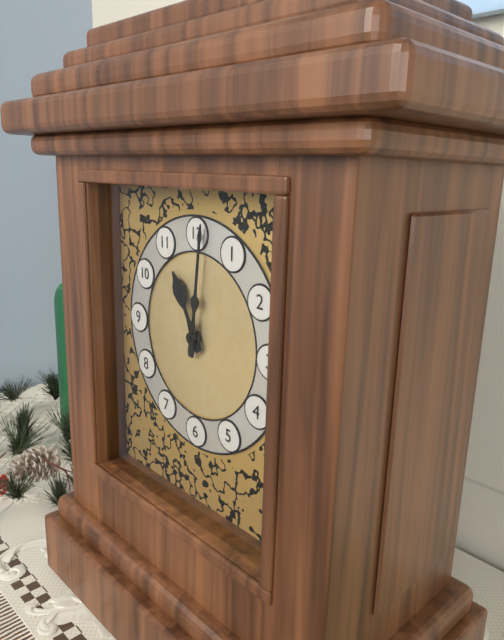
11:01
